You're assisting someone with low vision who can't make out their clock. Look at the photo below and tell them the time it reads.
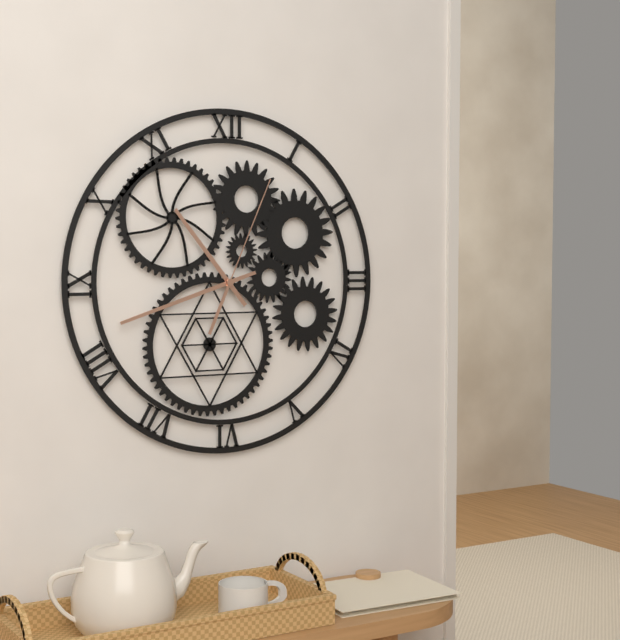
10:42:04
